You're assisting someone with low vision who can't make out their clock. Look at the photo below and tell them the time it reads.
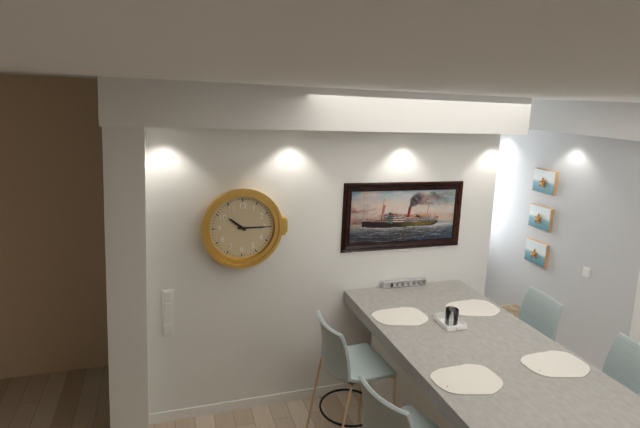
10:15
